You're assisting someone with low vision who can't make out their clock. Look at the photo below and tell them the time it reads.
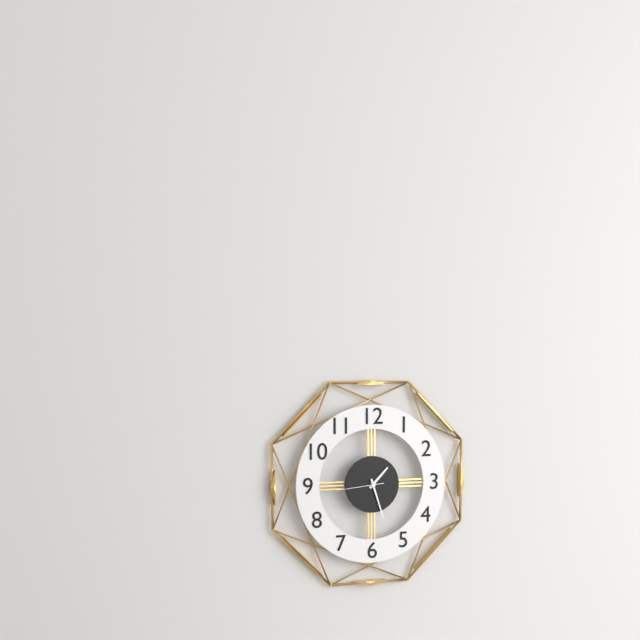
1:27
